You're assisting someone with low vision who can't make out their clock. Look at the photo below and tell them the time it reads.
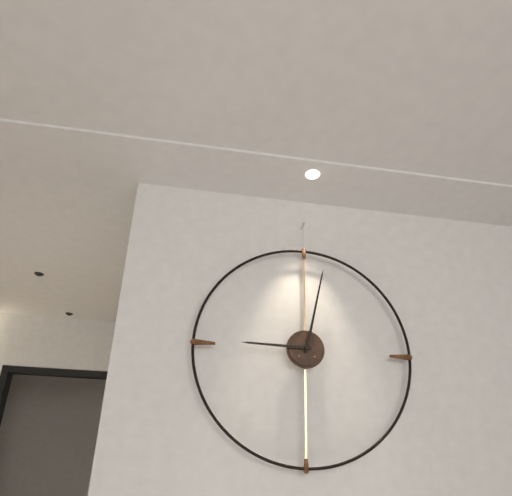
9:02
